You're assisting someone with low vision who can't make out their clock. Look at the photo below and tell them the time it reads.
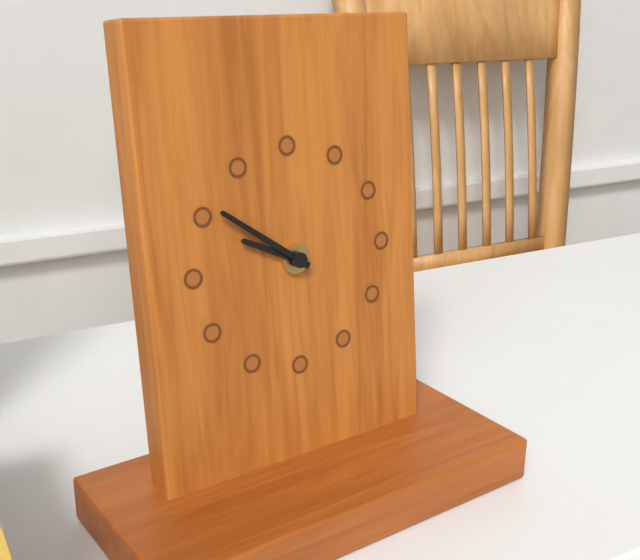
9:51
